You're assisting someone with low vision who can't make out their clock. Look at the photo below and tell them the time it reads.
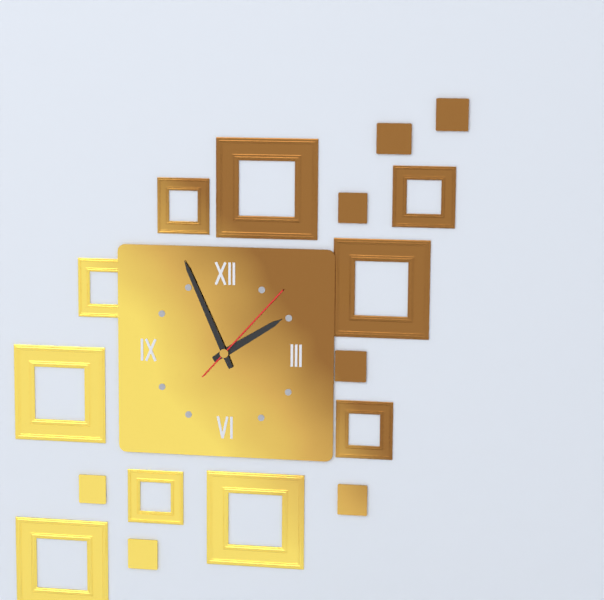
1:56:07
